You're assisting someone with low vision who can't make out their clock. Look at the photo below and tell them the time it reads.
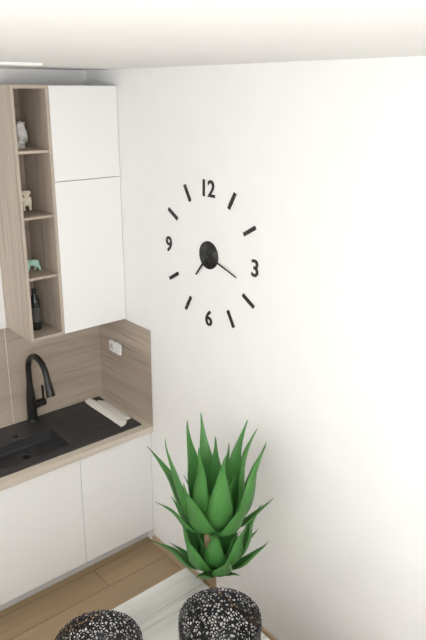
7:18
